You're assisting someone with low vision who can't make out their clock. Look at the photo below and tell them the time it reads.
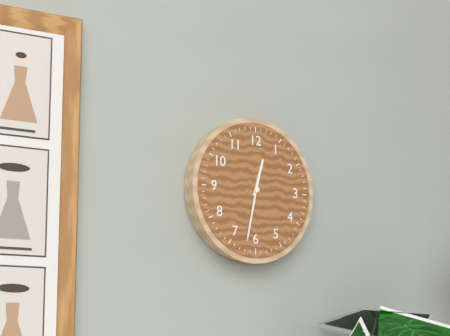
12:32
